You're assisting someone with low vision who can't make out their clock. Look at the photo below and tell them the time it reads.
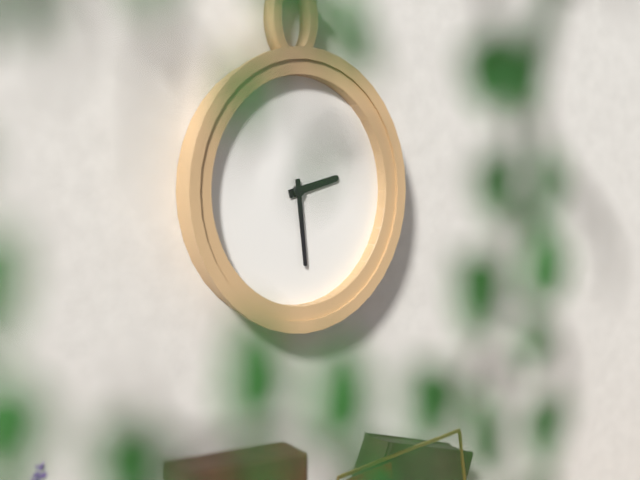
2:29
